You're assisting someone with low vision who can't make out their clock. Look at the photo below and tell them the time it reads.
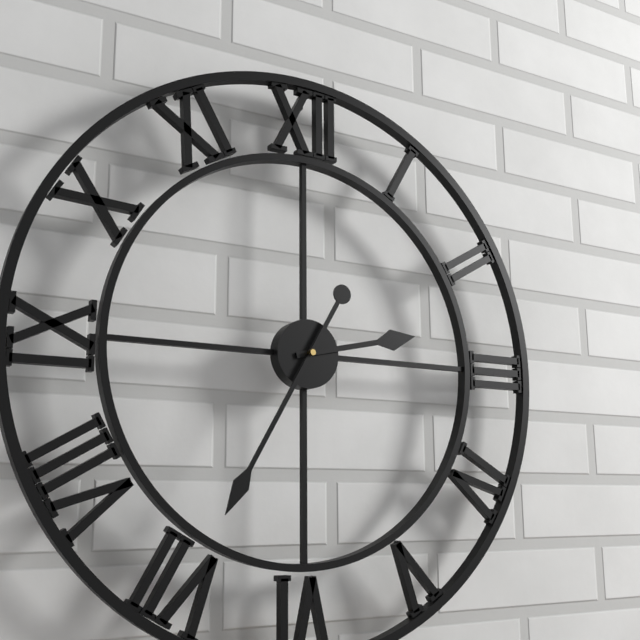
2:35
